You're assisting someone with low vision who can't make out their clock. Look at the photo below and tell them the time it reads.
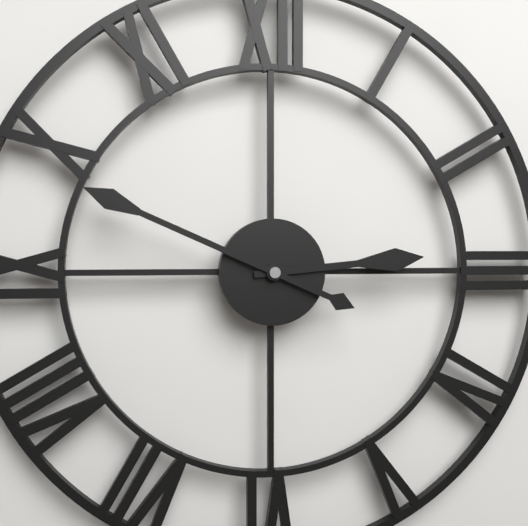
2:49
